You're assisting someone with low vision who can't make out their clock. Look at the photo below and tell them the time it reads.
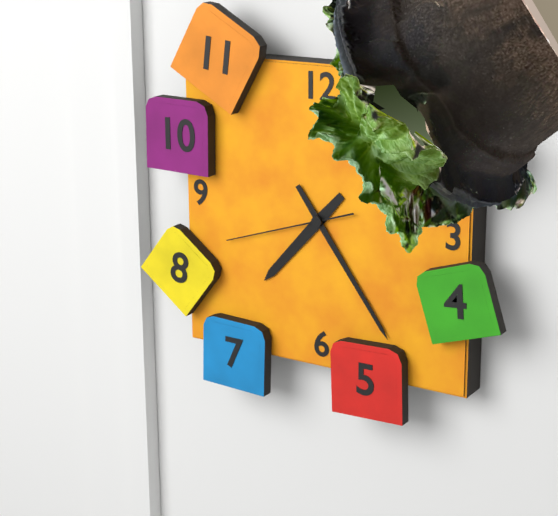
7:24:42
